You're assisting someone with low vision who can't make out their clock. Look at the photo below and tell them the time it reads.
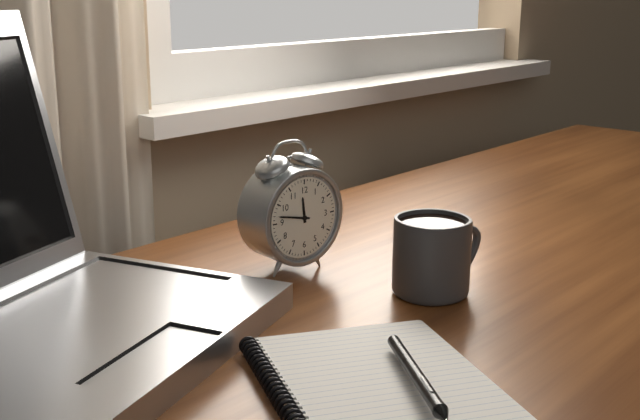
11:47
